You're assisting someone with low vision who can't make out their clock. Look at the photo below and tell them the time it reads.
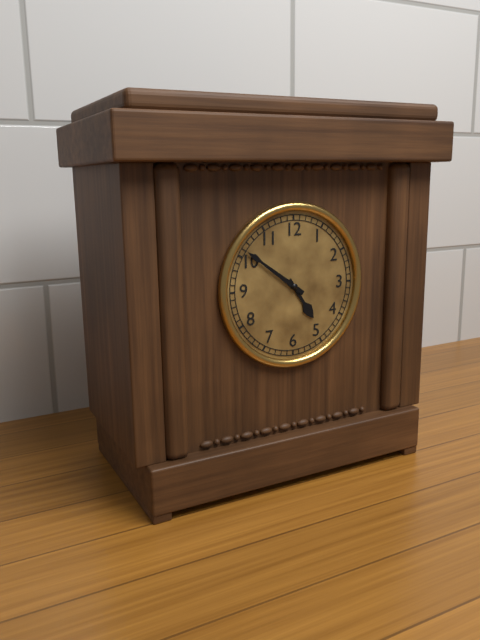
4:51
